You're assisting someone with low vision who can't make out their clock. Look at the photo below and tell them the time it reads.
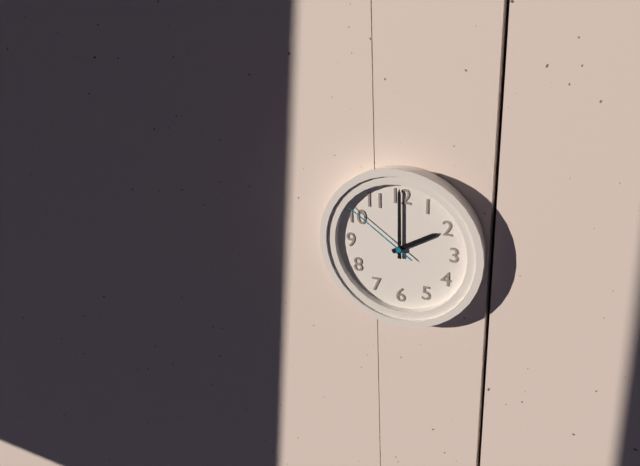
2:00:51
